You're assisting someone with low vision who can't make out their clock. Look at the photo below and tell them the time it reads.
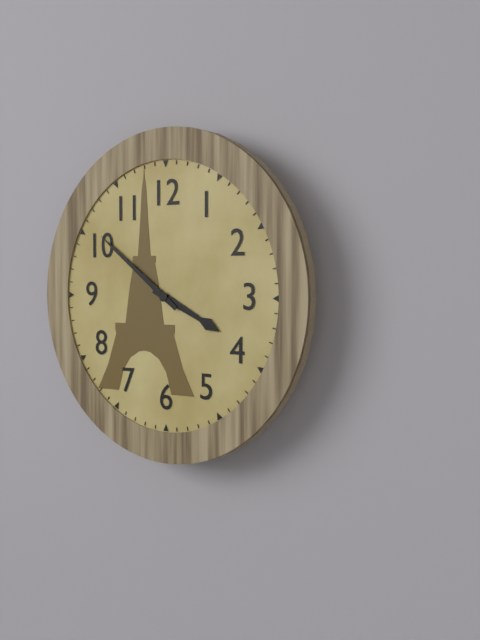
3:51
